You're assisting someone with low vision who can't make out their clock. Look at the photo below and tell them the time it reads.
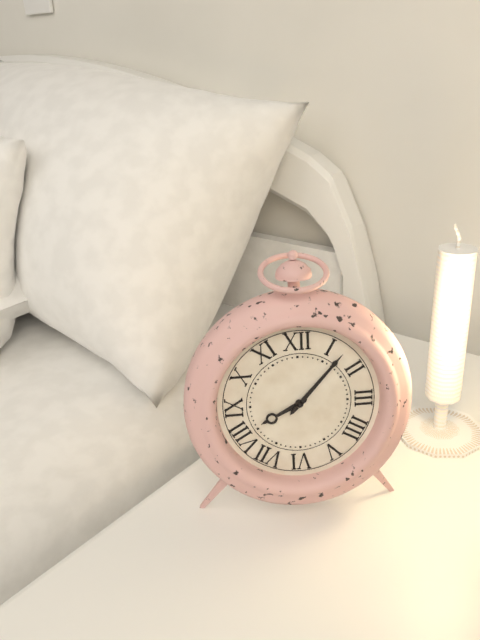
8:07
